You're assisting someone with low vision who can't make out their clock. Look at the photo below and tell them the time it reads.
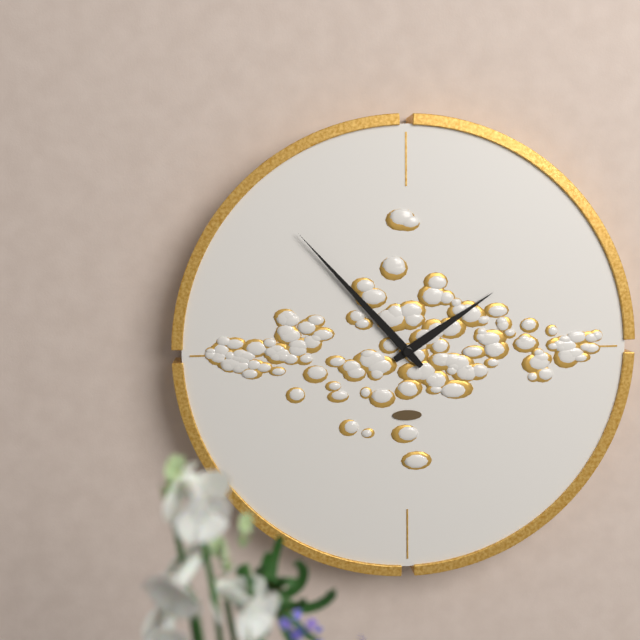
1:53
